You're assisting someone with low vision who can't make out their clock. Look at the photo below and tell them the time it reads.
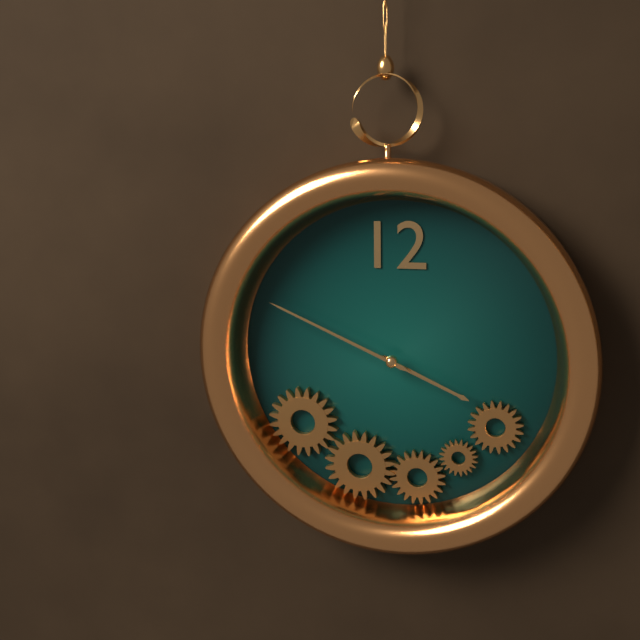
3:49
